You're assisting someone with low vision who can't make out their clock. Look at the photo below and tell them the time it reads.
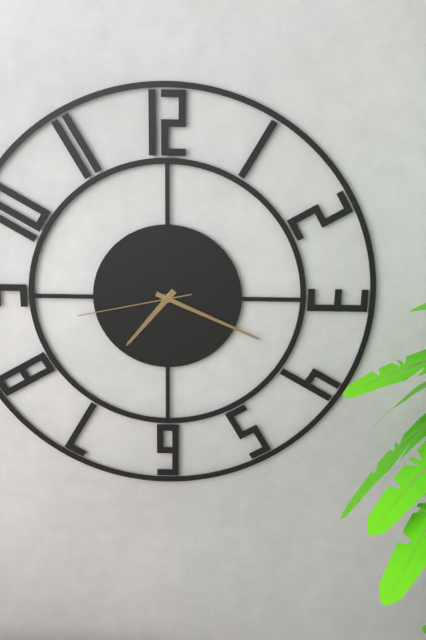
7:19:43
